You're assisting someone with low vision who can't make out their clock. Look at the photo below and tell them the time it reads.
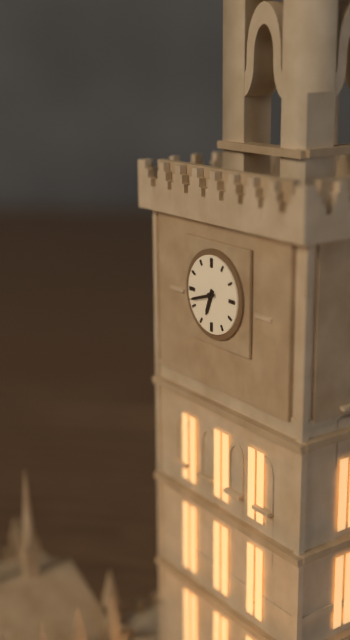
6:42
